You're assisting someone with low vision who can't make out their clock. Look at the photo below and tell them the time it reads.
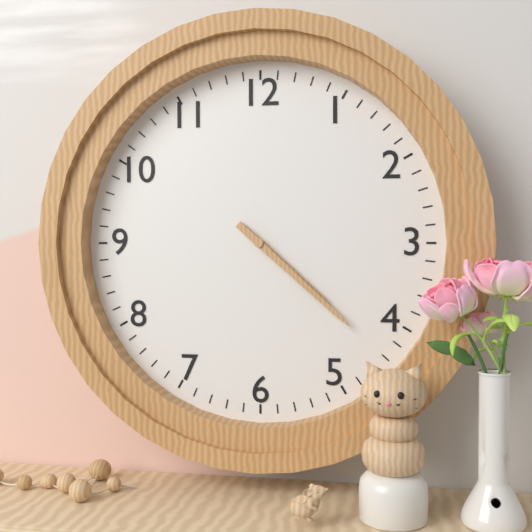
4:22
